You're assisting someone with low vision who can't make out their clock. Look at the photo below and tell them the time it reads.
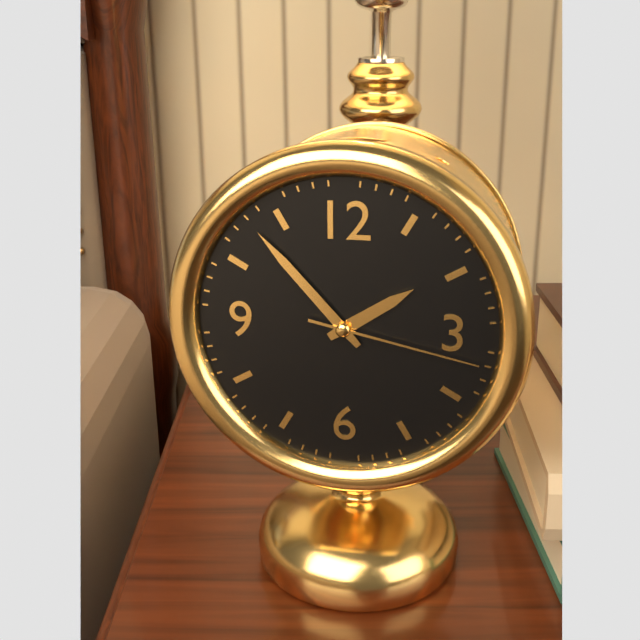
1:53:17
